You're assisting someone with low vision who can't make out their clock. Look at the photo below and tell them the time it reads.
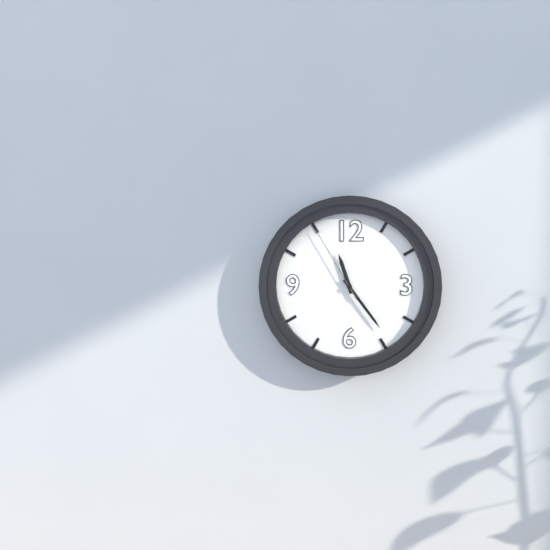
11:24:55
